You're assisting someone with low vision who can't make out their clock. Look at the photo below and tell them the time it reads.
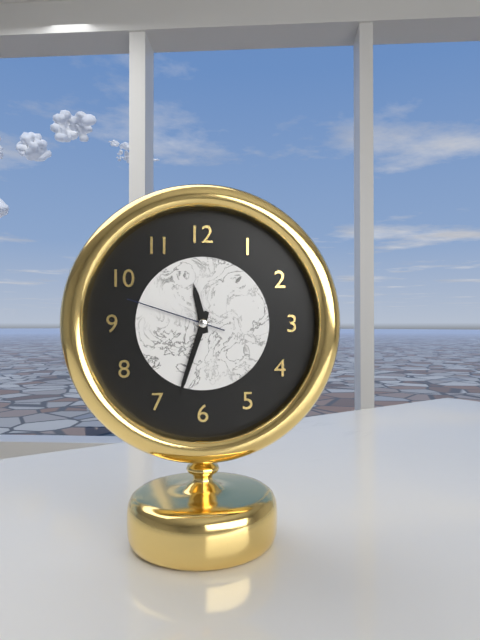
11:33:48
